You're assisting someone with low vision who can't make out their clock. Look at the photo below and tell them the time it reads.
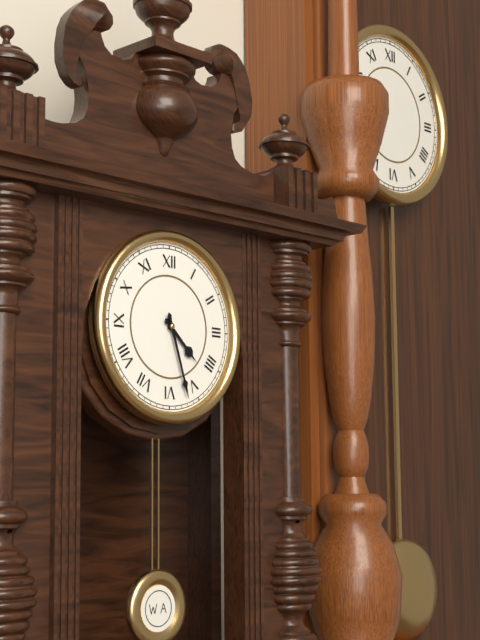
4:27
